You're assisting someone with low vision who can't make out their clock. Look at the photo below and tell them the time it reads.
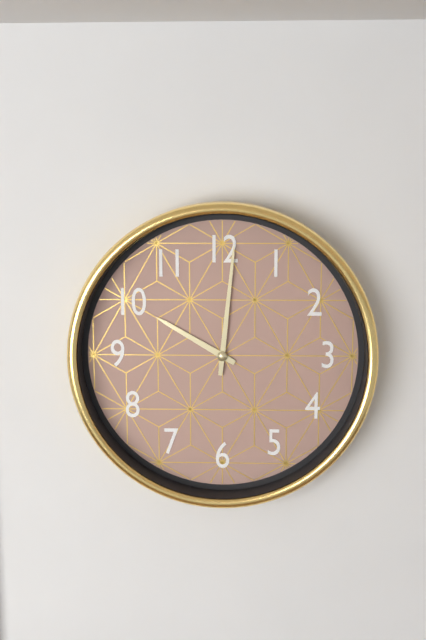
10:01
